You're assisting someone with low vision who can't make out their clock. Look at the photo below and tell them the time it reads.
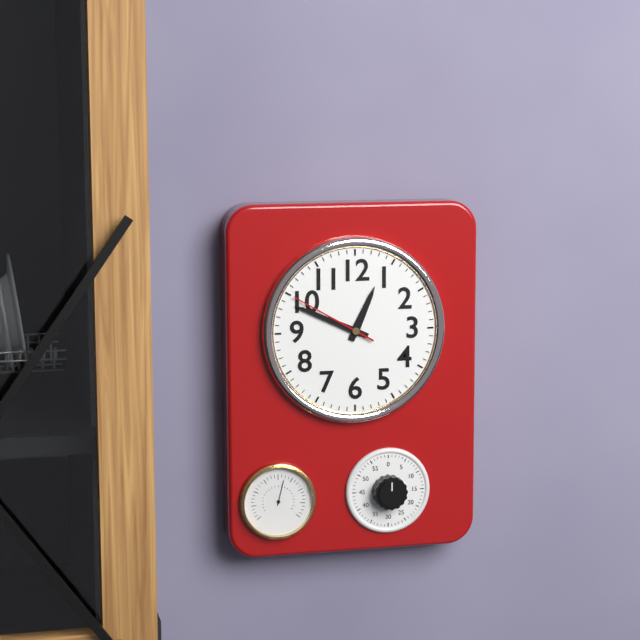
12:49:50
